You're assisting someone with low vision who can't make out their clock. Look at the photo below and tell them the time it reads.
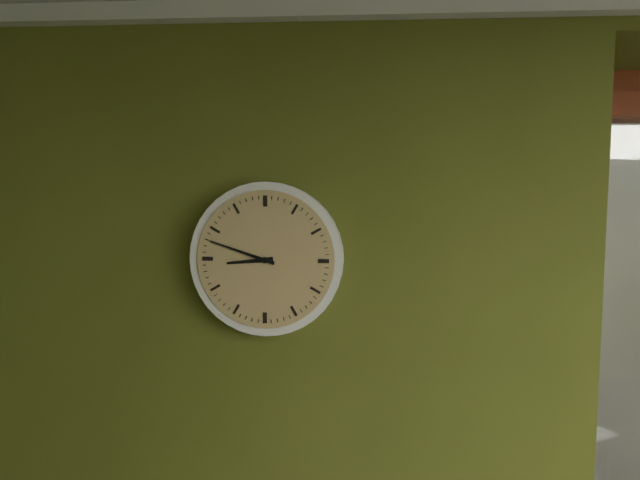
8:48
